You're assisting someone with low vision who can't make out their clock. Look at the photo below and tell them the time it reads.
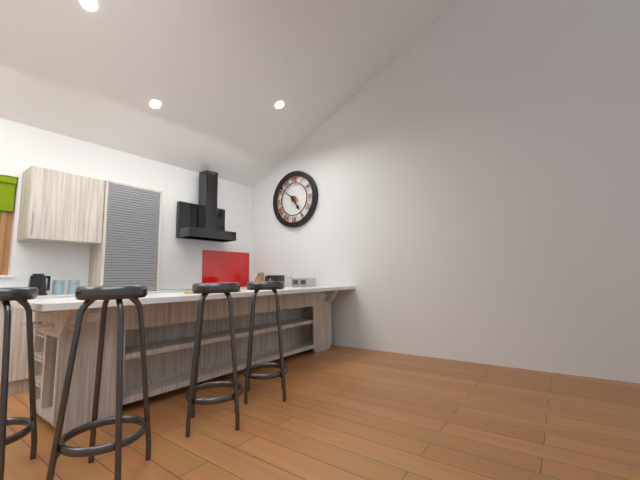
4:52
